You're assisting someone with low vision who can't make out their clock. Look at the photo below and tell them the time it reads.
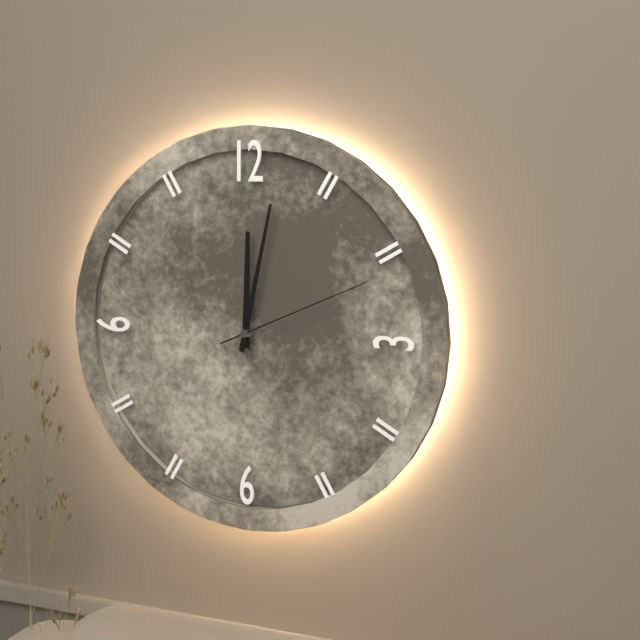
12:02:11
